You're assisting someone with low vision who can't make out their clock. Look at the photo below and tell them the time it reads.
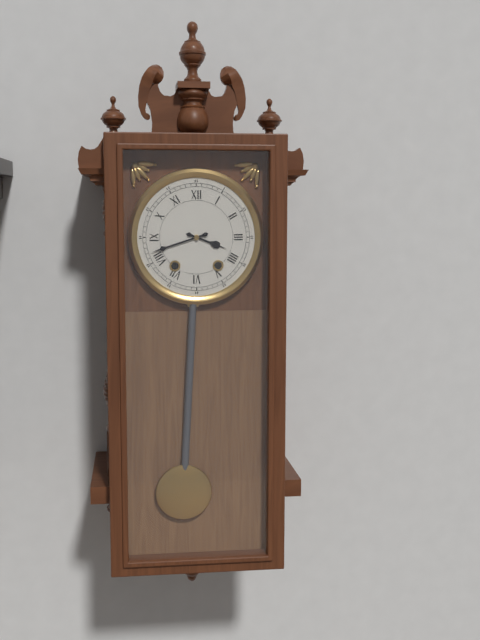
3:42
